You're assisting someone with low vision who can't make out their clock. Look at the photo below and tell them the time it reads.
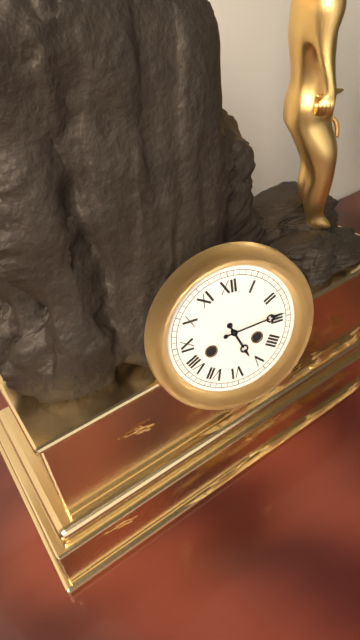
5:14
